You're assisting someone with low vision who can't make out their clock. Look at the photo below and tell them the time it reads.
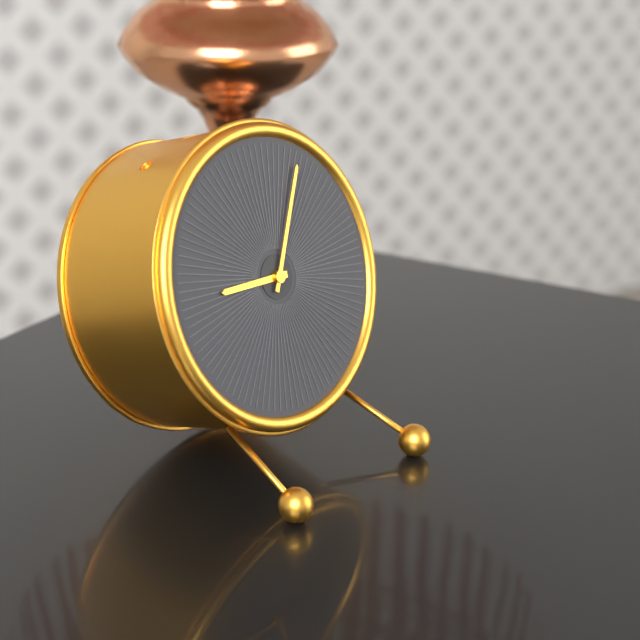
9:05
